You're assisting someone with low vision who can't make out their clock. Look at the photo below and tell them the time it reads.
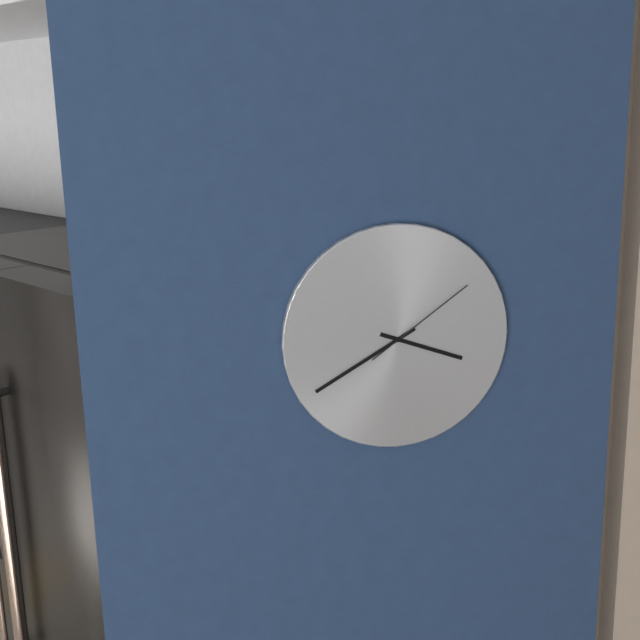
3:40:09
